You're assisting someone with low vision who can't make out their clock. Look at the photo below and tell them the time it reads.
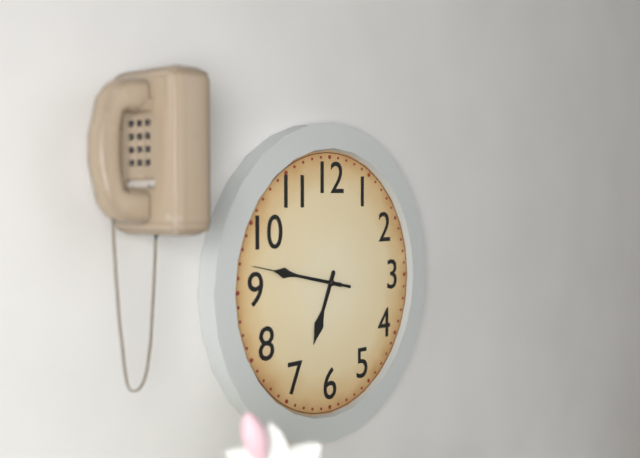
6:47:47
